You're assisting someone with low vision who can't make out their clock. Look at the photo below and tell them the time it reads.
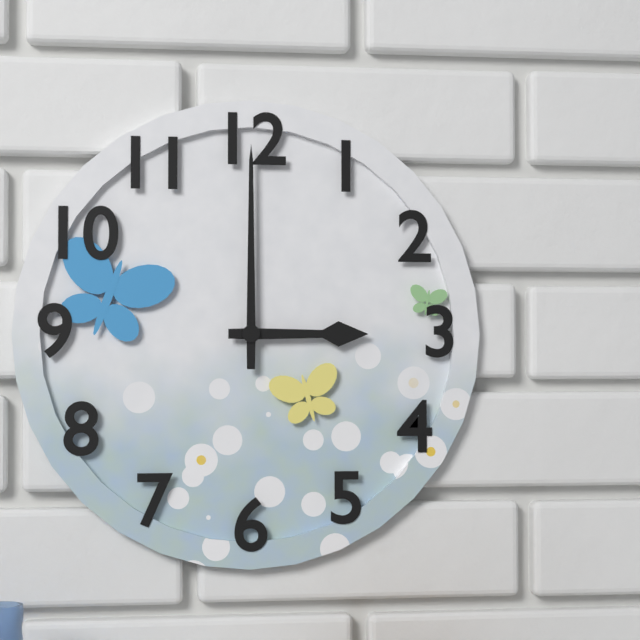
3:00
